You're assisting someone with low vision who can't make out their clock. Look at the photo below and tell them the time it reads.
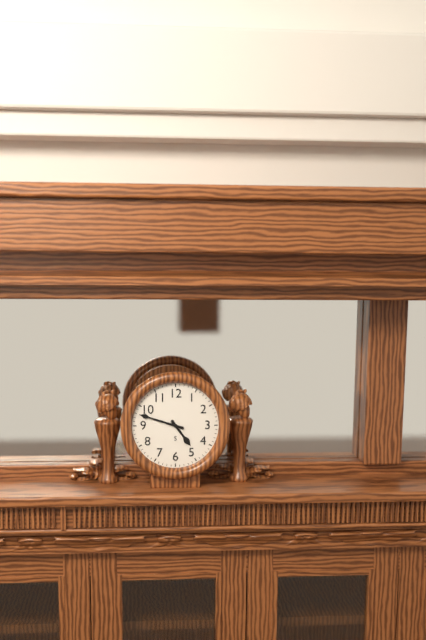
4:48
